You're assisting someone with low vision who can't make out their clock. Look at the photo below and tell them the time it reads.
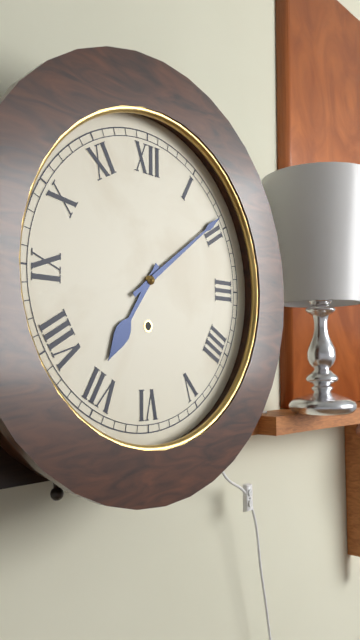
7:09
